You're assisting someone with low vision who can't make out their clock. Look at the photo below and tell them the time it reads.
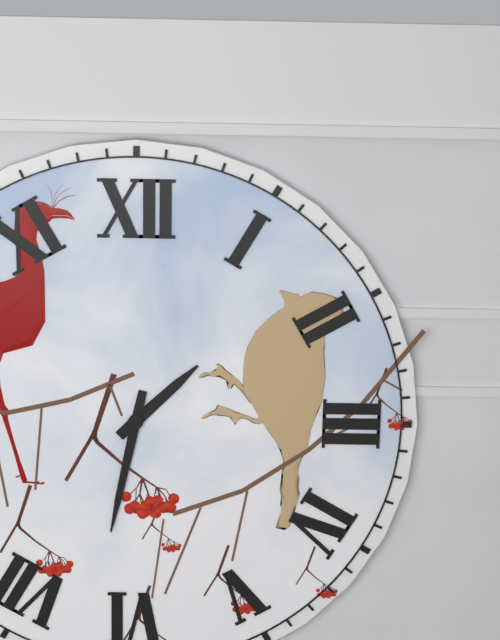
1:32
